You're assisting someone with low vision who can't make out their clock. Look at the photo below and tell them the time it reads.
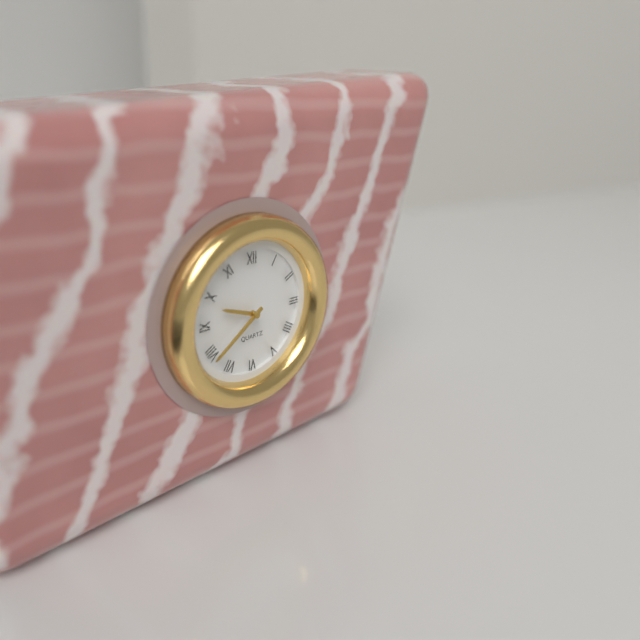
9:39
